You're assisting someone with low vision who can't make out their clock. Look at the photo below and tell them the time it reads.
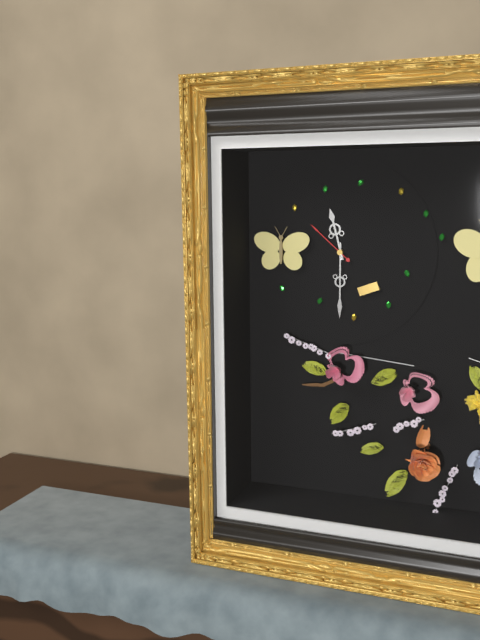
11:30:52
